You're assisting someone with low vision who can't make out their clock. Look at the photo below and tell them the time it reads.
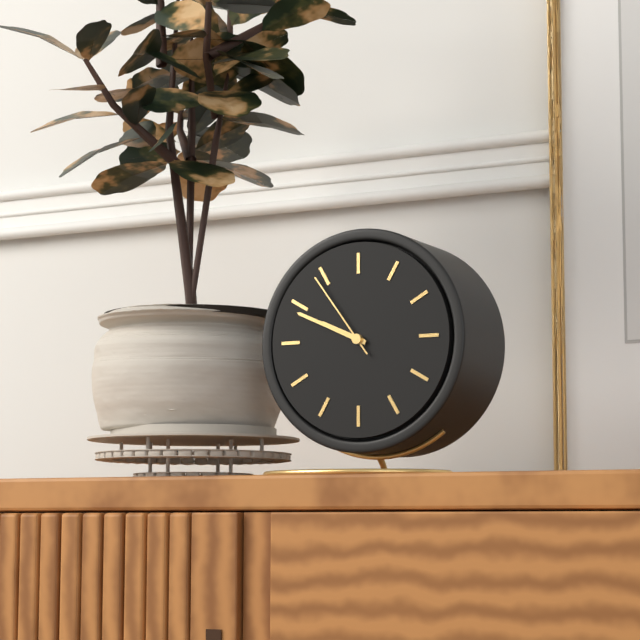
9:49:54
